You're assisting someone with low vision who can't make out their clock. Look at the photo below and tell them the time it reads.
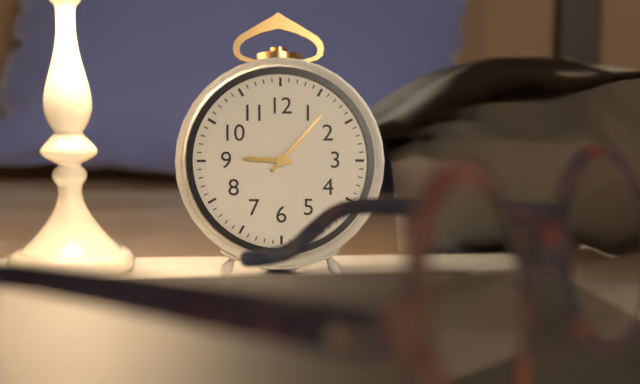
9:07
